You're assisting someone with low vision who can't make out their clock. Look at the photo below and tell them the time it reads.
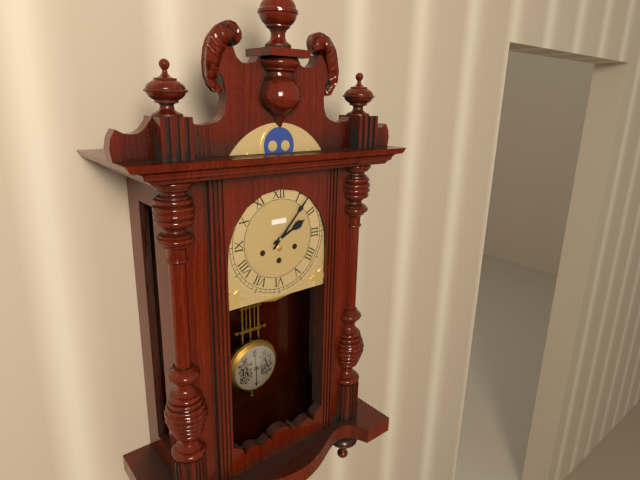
2:07
